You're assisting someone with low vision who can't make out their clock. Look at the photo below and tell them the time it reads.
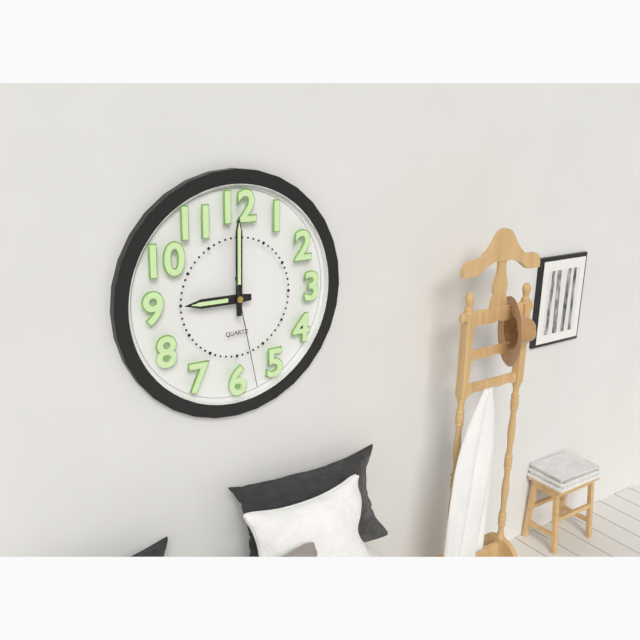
9:00:28
